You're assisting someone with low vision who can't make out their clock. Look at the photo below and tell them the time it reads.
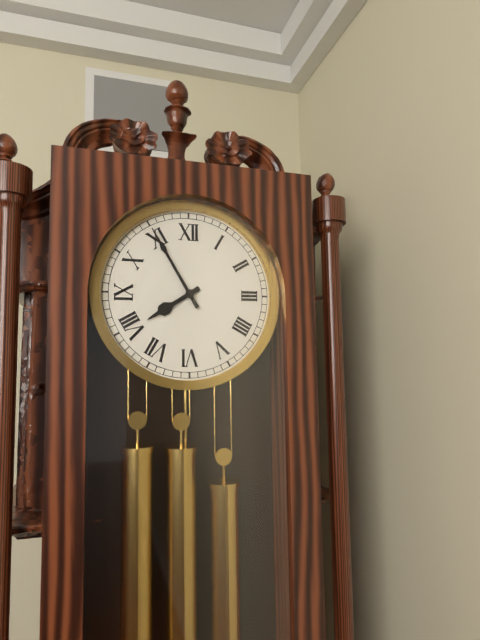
7:55
